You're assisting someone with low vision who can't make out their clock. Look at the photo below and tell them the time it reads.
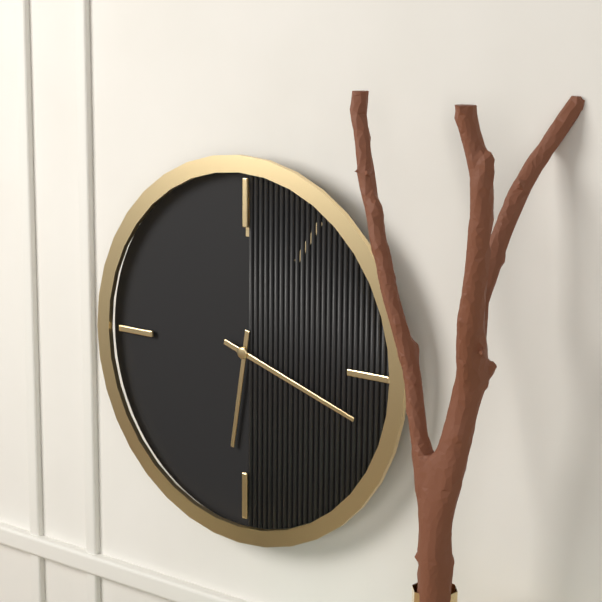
6:18
